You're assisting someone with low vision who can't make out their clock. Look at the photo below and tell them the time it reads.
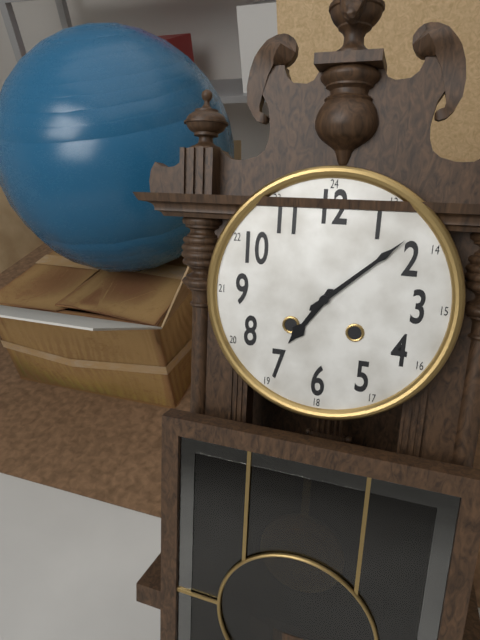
7:08
